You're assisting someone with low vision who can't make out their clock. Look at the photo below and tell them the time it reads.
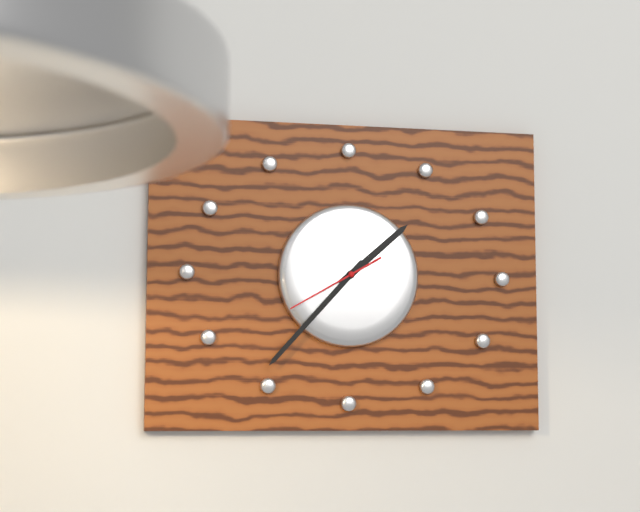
1:37:40
